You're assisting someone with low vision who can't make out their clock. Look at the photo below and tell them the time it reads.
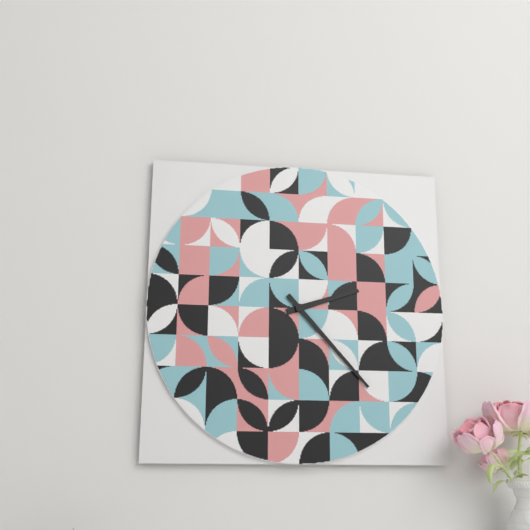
2:23
